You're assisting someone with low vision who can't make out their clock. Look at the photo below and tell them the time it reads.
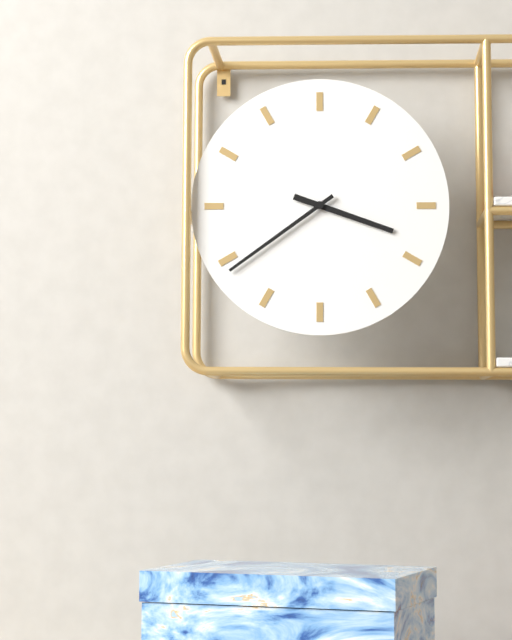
3:39
